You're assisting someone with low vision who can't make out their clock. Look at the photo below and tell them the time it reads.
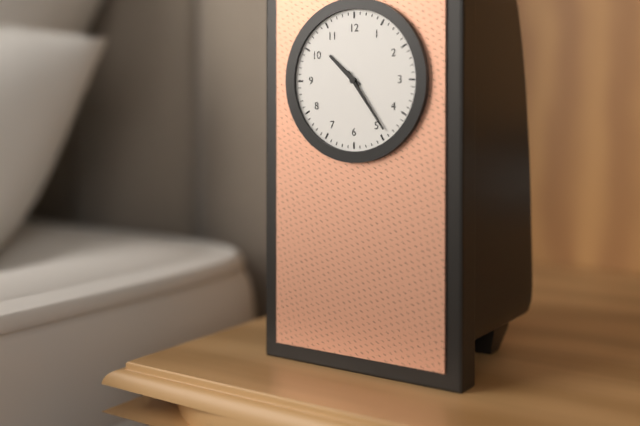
10:24
